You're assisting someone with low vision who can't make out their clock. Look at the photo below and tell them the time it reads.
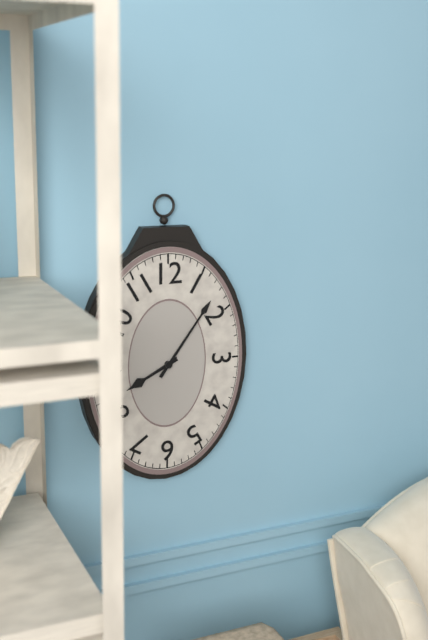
8:06
